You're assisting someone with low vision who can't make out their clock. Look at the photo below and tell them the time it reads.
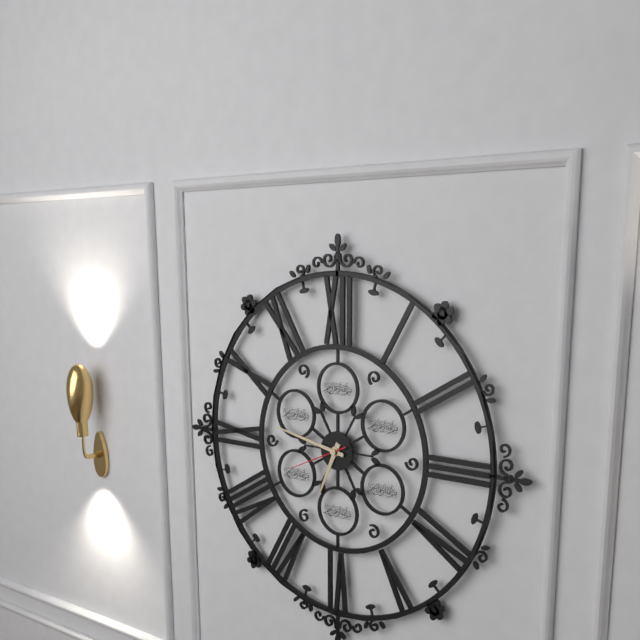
6:47:41
